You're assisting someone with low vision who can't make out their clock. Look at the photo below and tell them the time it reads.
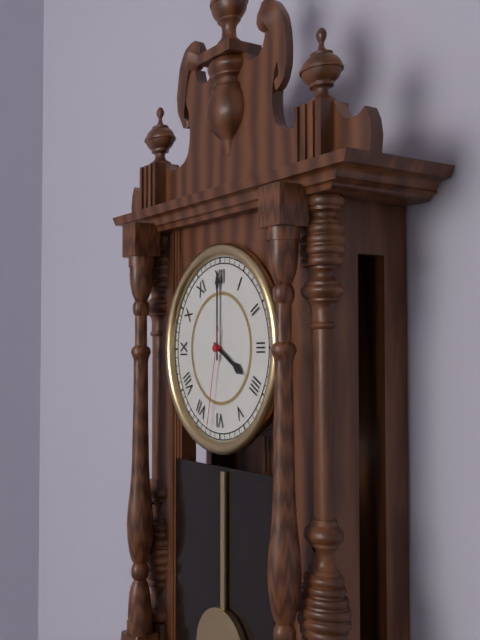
4:00:32
